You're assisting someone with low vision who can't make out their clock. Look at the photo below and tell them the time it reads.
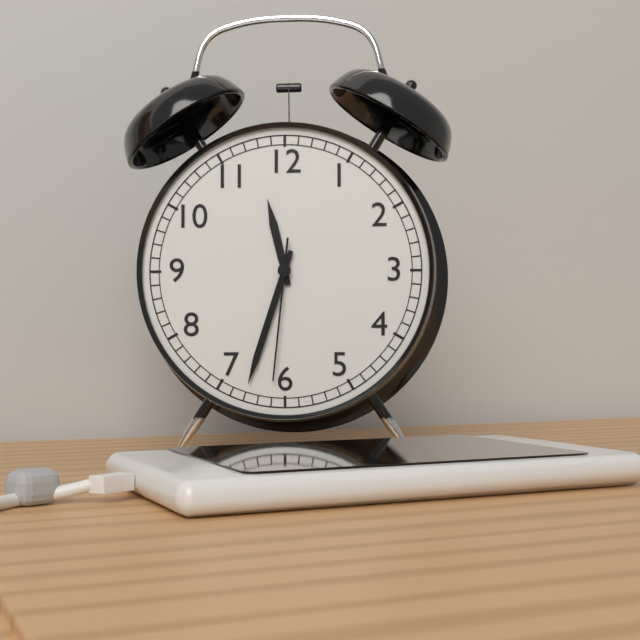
11:33:31
